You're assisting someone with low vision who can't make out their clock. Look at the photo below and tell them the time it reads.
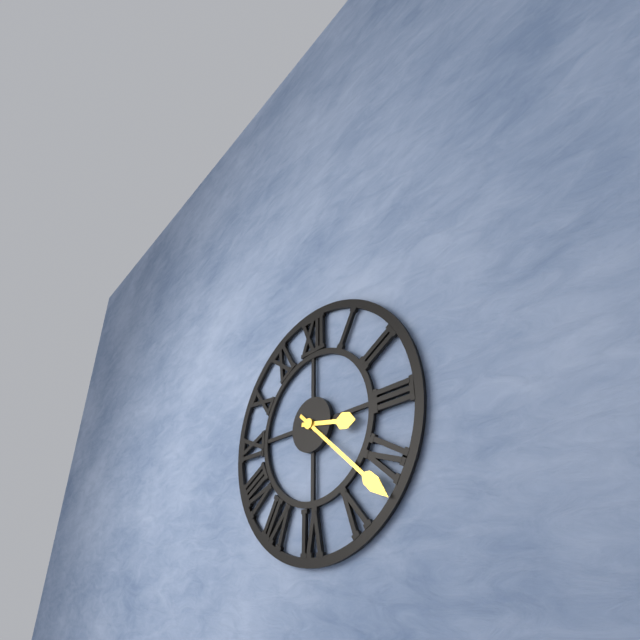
3:22
